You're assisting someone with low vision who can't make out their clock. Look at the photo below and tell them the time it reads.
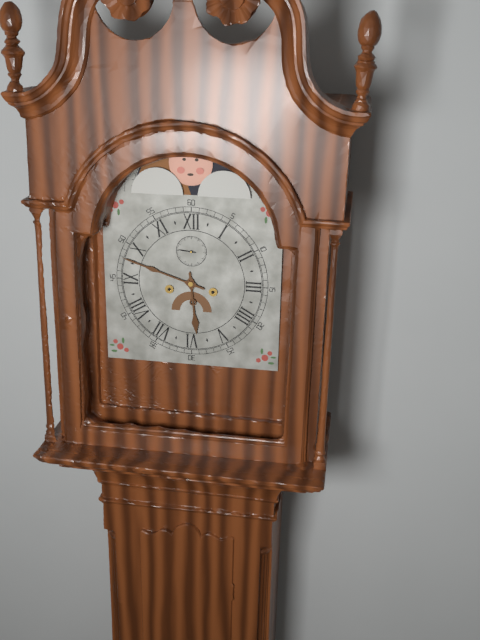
5:48
